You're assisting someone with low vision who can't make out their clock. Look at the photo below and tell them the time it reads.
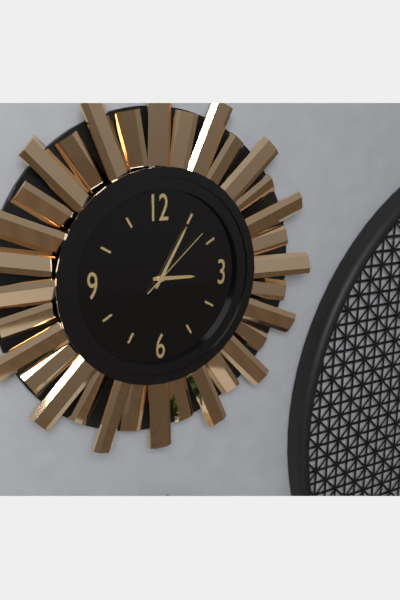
3:05:08
